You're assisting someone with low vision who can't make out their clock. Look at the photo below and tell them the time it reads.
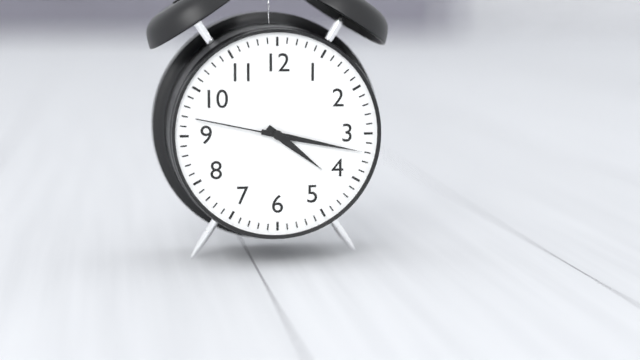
4:17:47
